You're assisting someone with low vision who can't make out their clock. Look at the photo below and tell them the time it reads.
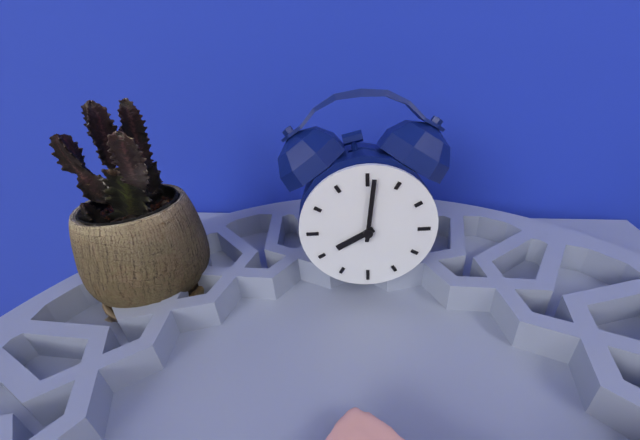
8:01
